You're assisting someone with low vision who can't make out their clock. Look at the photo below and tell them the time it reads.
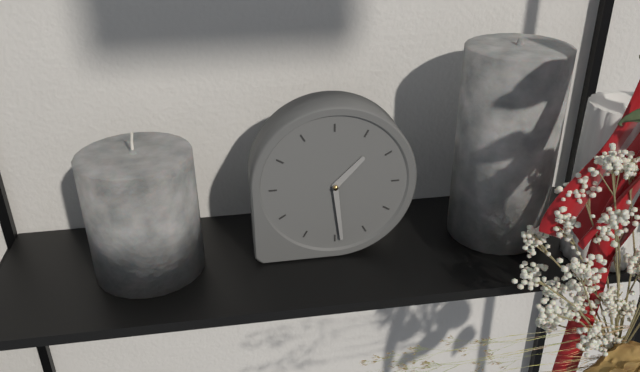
1:29
